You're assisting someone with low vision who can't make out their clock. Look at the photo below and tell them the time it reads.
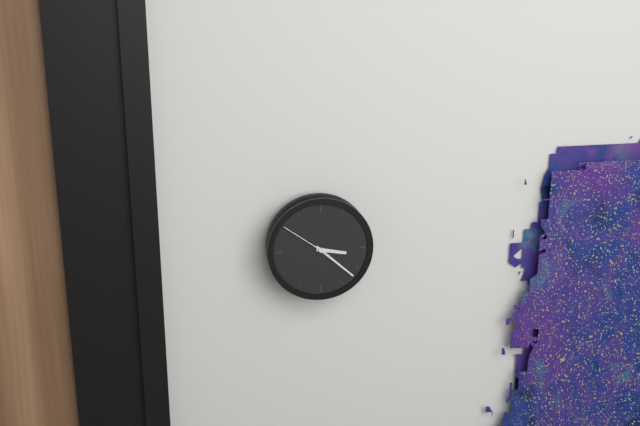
3:22:51
